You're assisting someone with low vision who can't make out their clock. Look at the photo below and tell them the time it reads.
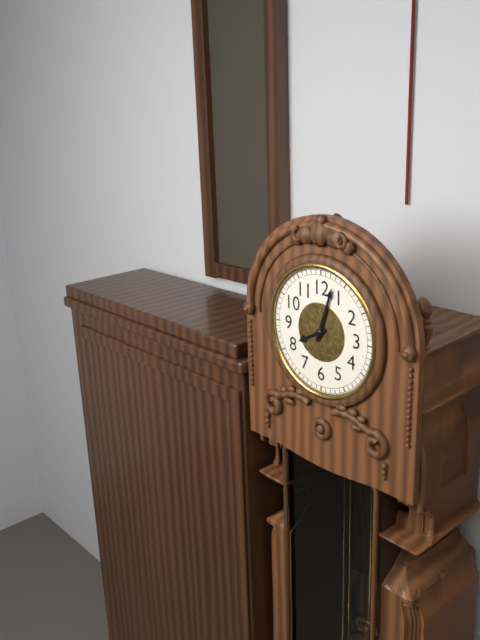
8:03
